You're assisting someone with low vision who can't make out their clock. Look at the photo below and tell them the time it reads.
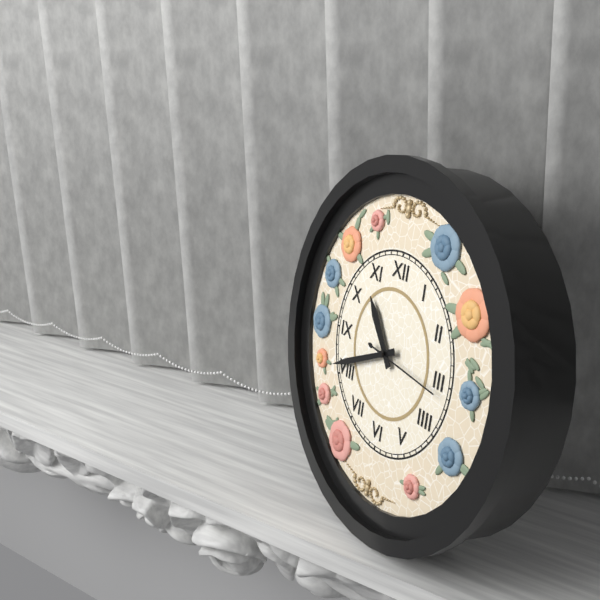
10:41:16
